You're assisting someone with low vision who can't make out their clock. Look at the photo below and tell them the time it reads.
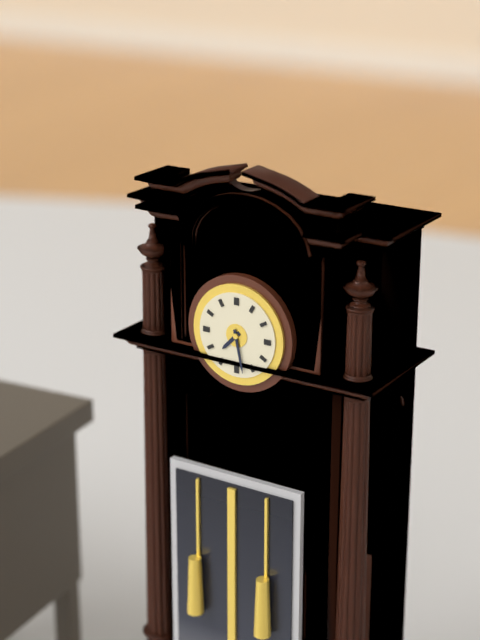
7:28
